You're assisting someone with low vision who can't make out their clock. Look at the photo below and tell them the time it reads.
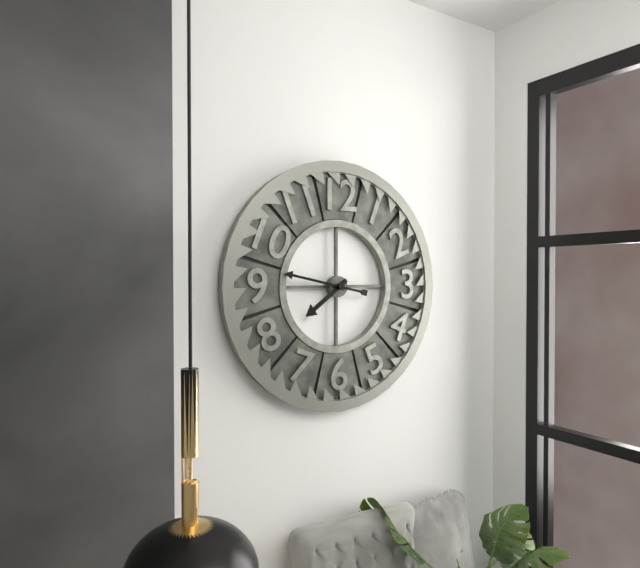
7:47
